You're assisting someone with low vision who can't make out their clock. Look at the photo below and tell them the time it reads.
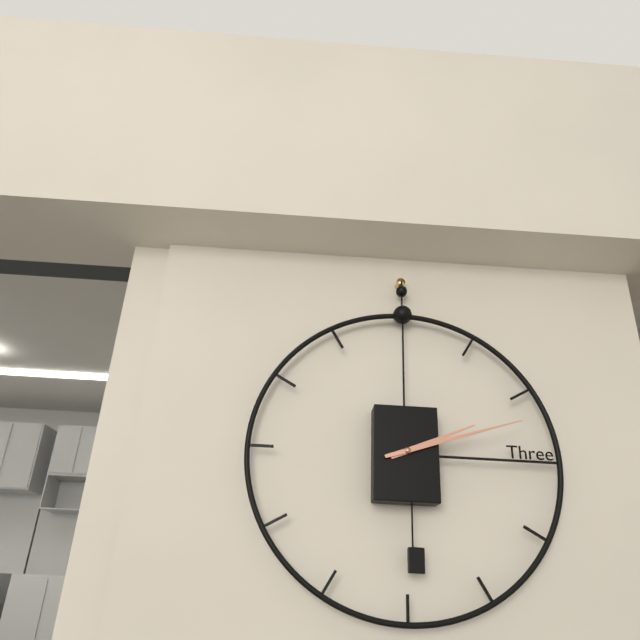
2:12
